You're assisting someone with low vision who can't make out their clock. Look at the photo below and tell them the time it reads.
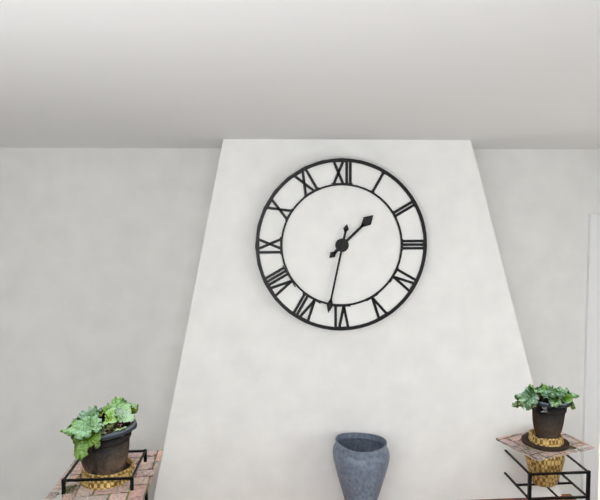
1:32
